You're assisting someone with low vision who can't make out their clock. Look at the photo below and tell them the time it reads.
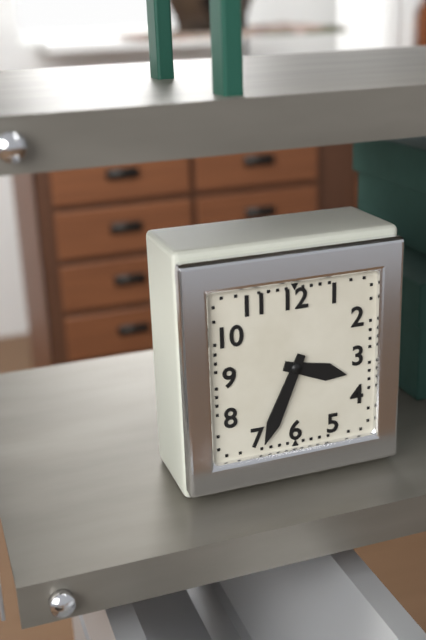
3:34
